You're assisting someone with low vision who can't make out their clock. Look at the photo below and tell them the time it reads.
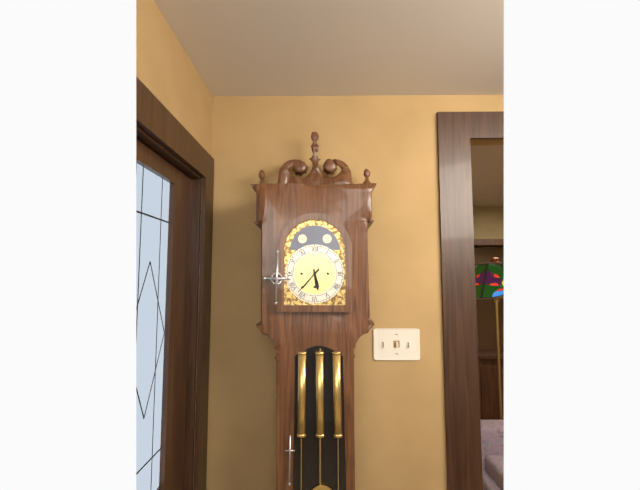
5:37
